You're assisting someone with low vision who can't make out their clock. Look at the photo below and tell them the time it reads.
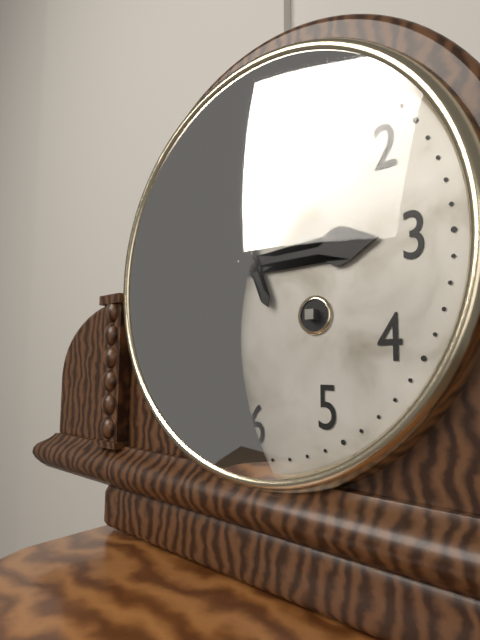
2:56
